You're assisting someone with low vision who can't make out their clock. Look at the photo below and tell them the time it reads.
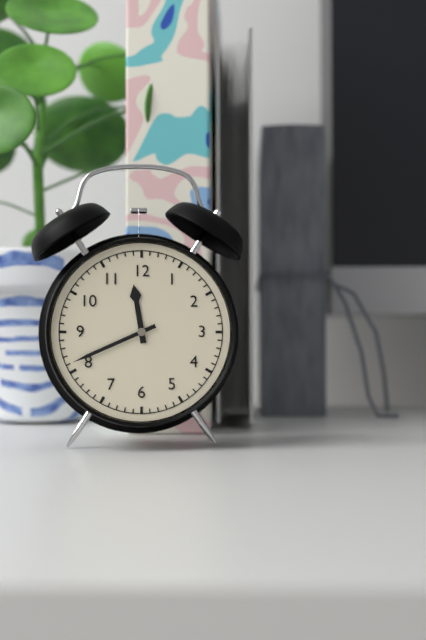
11:41
